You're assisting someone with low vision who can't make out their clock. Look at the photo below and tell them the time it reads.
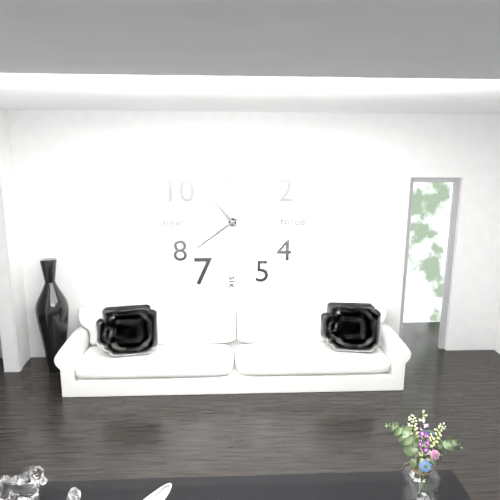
10:39
